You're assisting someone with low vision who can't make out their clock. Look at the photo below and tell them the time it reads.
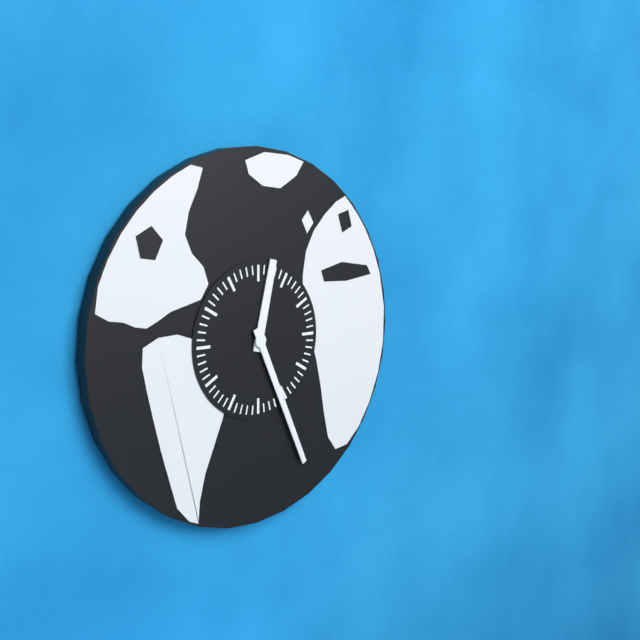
12:26
